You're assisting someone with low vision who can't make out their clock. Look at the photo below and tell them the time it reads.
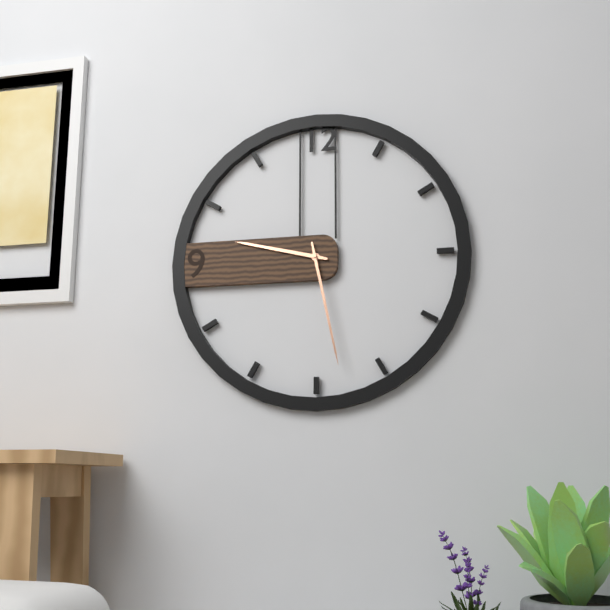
9:28
